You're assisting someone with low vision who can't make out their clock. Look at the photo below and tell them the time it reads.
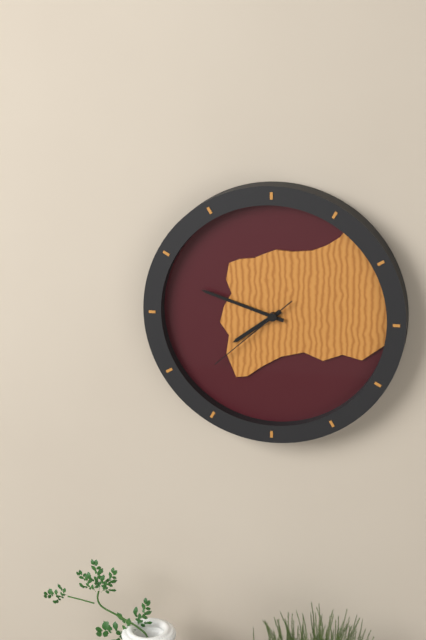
7:48:38
